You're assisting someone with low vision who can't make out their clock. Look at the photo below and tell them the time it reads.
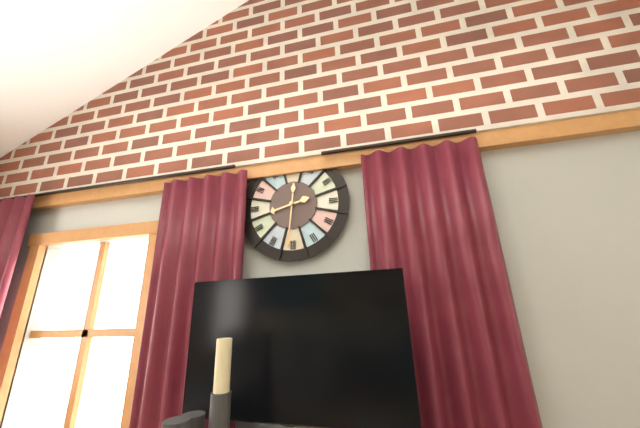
8:31
